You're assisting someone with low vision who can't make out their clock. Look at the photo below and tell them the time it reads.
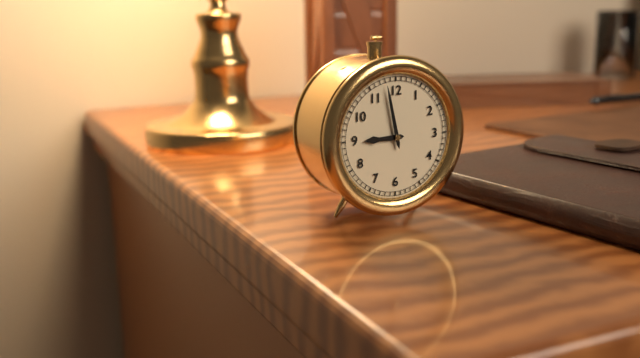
8:58
